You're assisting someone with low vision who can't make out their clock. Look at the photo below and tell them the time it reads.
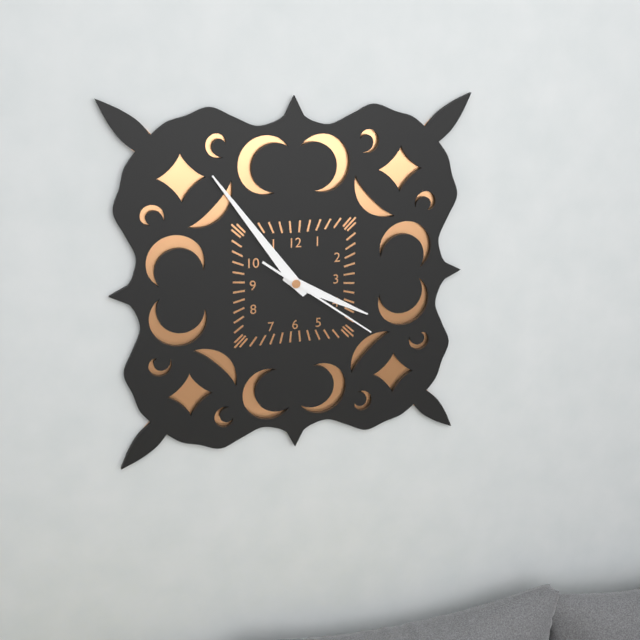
3:54:21
